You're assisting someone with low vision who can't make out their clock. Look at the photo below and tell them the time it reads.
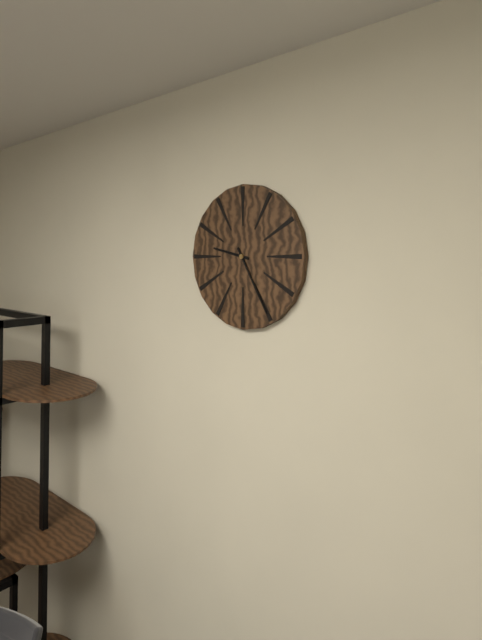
9:25
